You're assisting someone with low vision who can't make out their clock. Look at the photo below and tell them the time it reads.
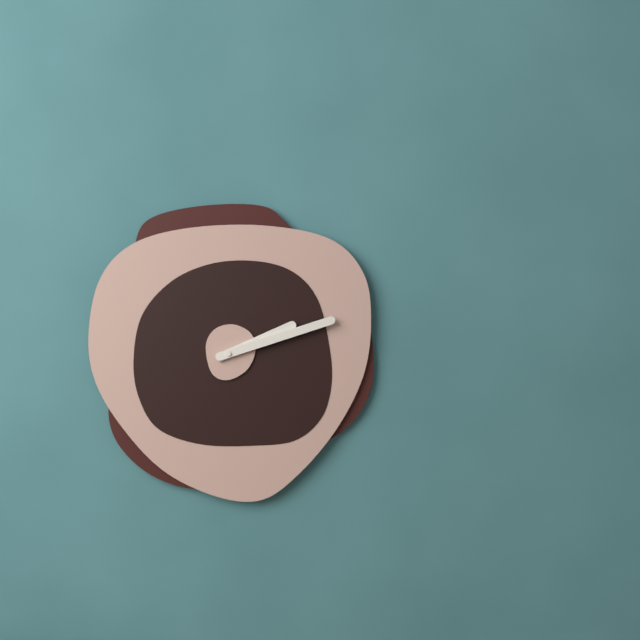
2:12
